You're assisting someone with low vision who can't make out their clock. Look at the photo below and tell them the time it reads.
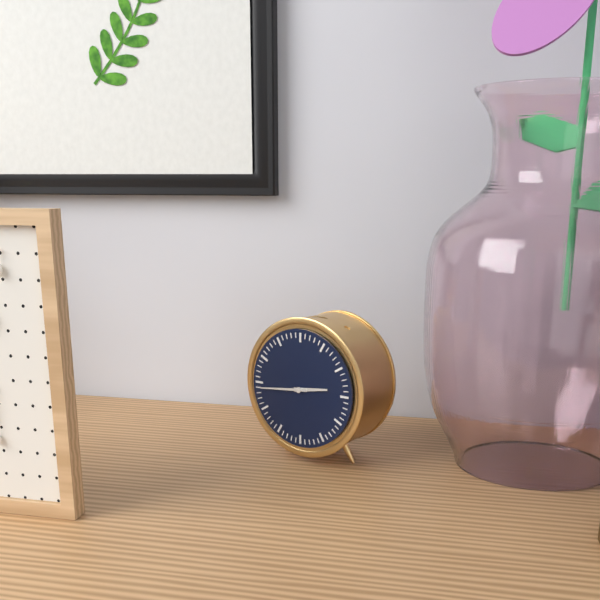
2:44
